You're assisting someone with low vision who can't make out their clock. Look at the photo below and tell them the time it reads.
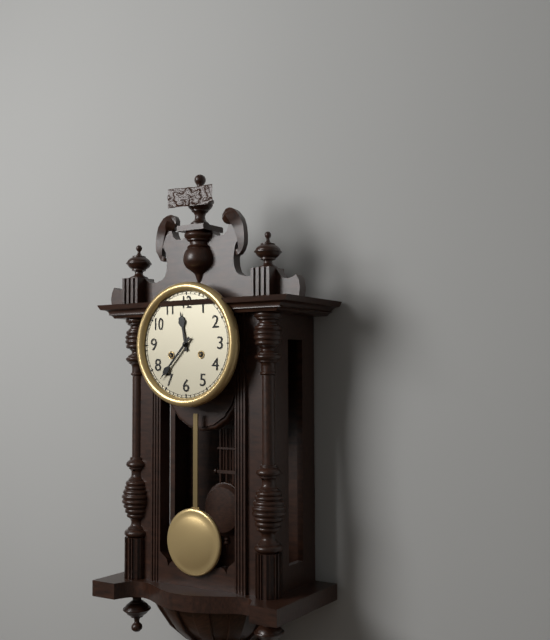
11:37
